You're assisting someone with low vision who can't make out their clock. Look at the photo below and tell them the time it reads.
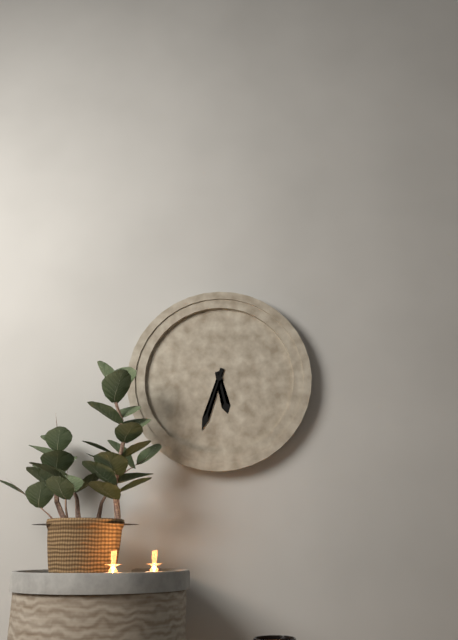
5:33
